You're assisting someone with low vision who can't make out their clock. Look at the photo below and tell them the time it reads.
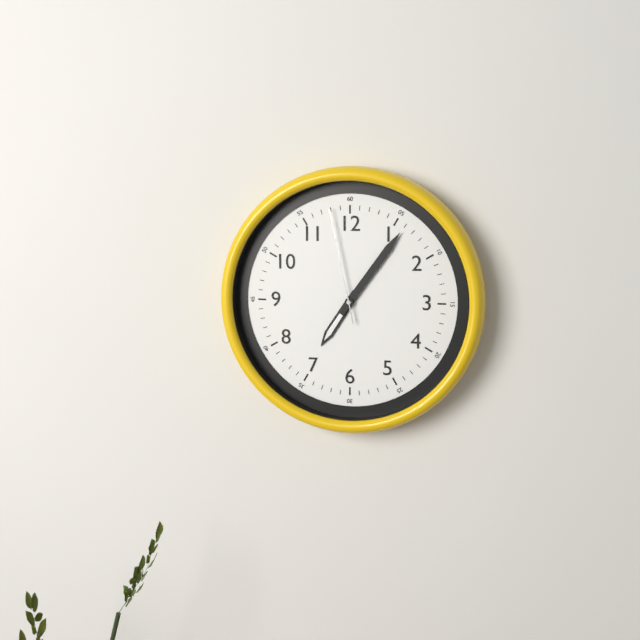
7:06:58
